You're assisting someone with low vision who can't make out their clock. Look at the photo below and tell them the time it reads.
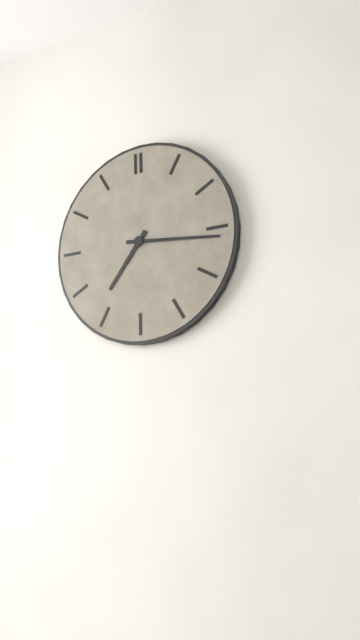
7:16
